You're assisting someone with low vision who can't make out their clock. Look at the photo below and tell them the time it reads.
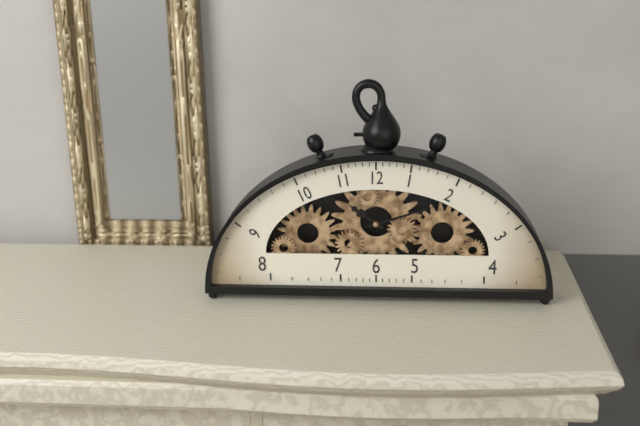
10:12
